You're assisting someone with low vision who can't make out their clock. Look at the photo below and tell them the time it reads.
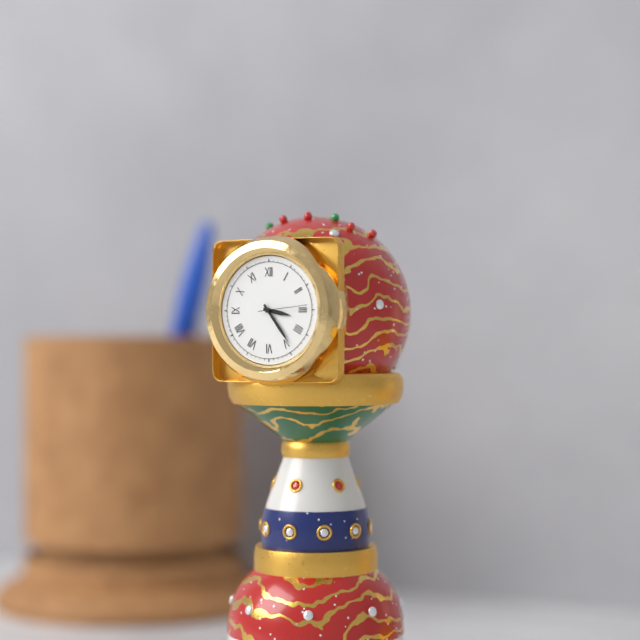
3:24:14
